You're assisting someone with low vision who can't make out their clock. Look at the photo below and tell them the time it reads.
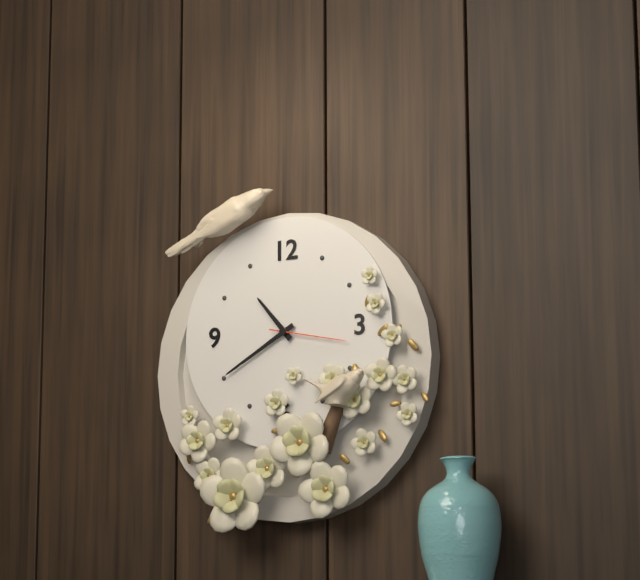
10:40:17
